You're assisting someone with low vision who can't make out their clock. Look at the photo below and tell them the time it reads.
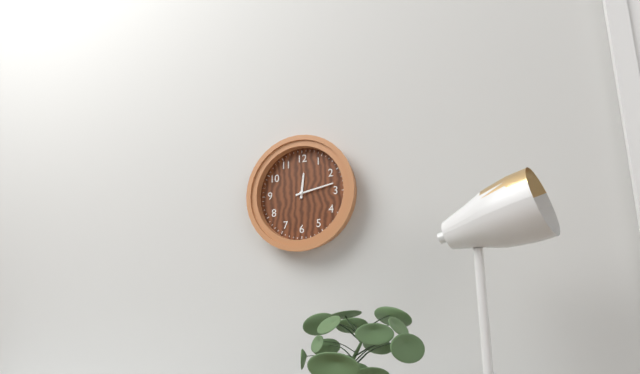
12:13
